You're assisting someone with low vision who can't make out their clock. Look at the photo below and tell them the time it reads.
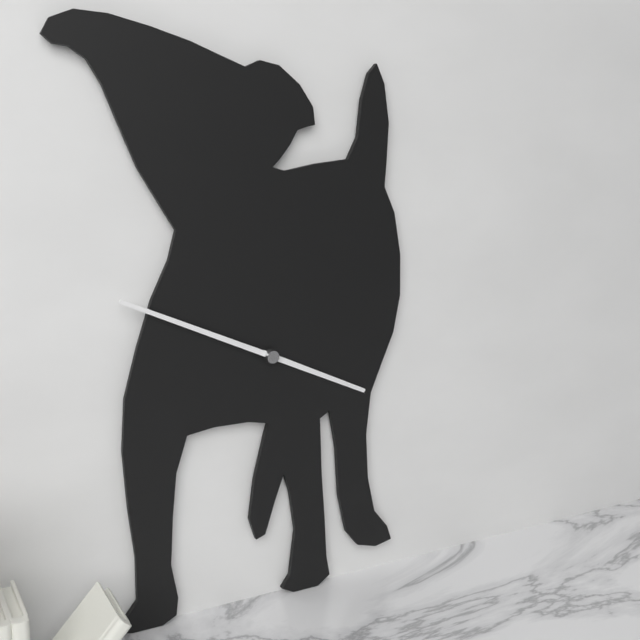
3:49
